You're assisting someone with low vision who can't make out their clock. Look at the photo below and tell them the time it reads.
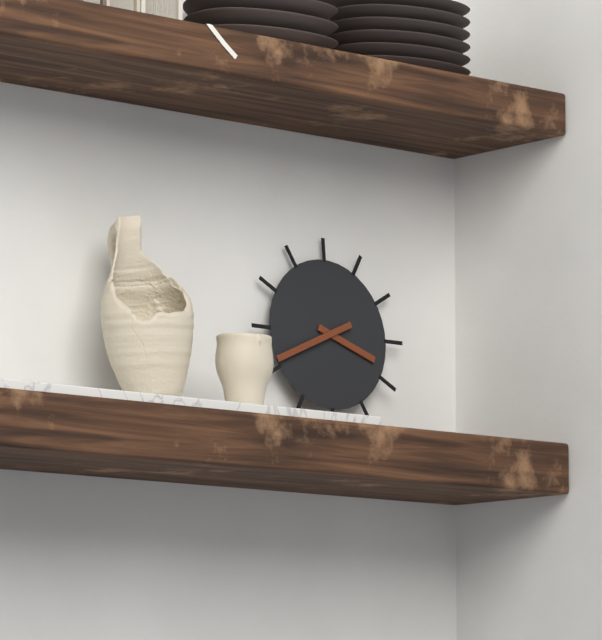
3:41
